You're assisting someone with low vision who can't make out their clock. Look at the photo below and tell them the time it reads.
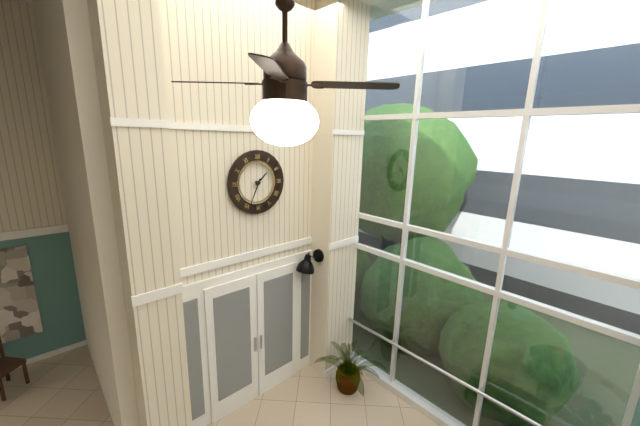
1:34
